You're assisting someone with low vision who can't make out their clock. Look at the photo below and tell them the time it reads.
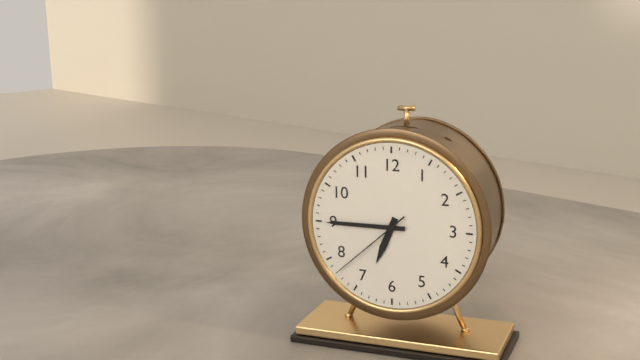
6:45:38
